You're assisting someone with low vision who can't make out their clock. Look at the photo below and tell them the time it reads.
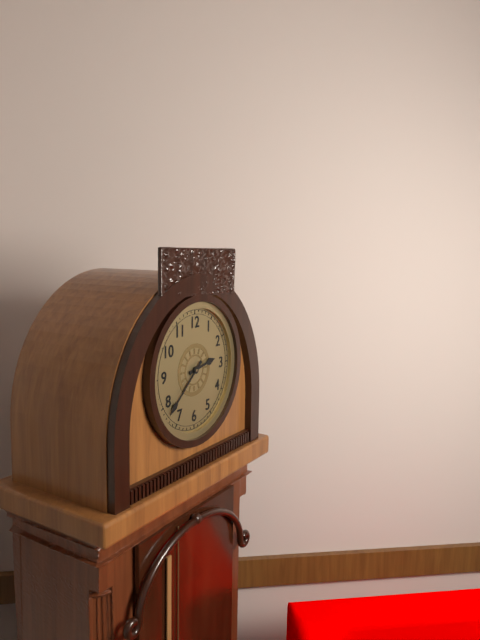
2:38
